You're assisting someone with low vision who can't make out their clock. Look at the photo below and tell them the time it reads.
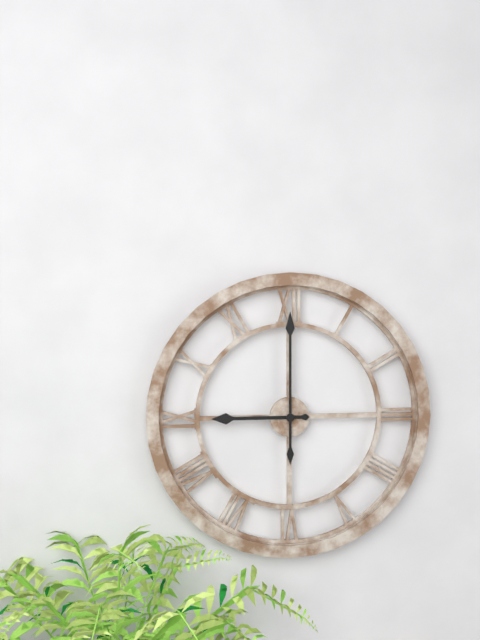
9:00
